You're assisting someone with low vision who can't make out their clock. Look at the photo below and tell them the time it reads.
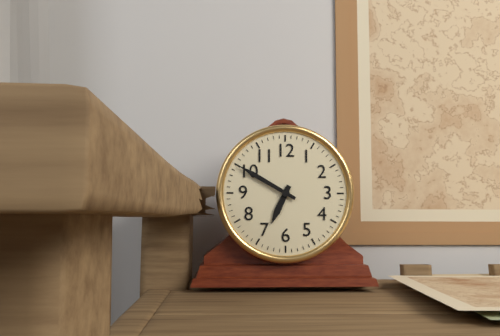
6:50
